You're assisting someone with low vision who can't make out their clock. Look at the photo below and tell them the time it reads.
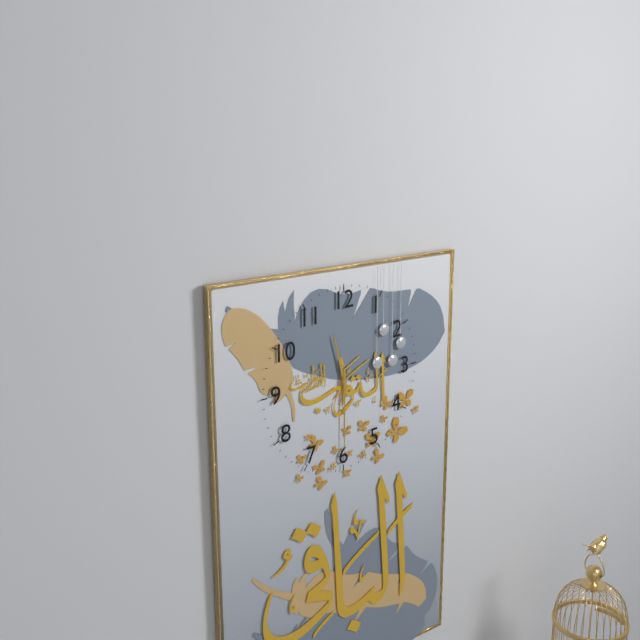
11:30
